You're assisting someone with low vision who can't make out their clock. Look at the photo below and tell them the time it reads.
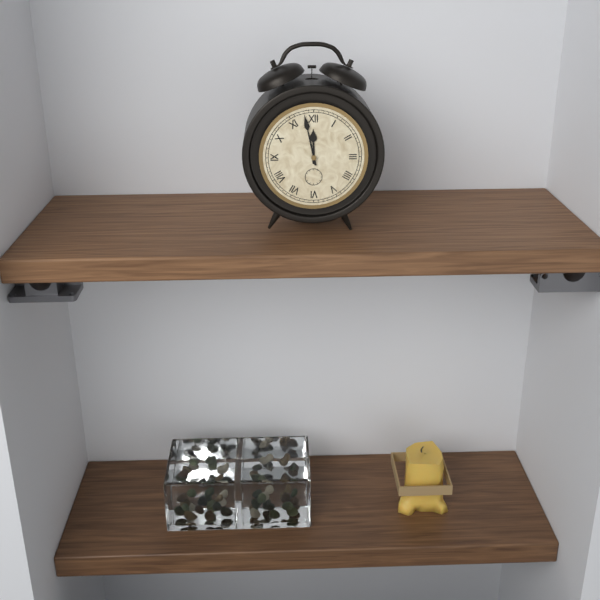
11:58
